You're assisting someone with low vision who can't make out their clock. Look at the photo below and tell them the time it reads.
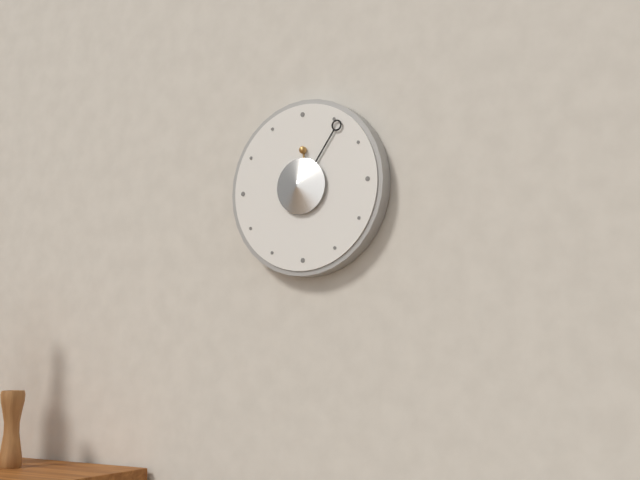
12:06
